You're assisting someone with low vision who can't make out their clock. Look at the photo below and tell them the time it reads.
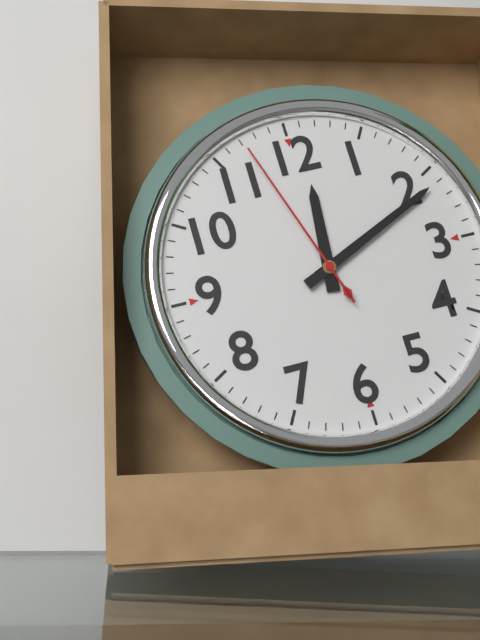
12:11:57
